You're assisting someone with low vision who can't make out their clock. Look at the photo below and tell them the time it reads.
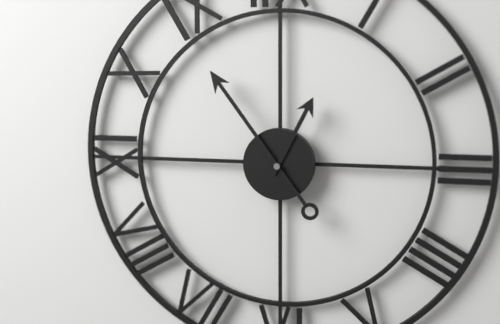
12:54
